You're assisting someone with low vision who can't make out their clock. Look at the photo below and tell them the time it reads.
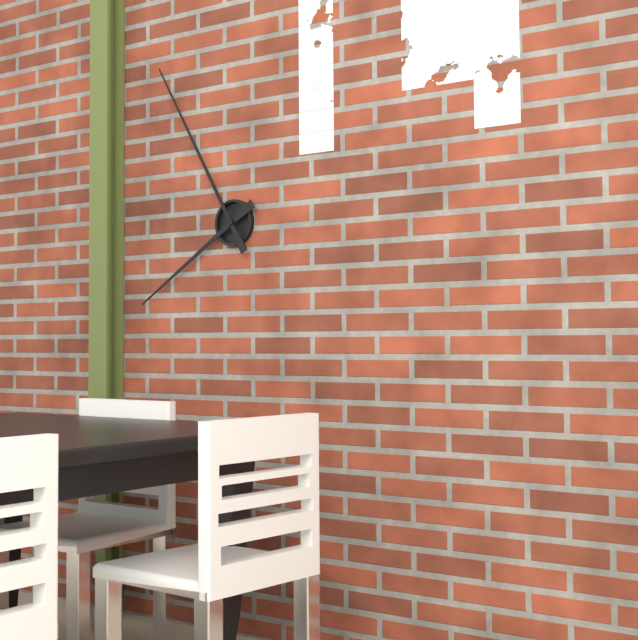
7:55
